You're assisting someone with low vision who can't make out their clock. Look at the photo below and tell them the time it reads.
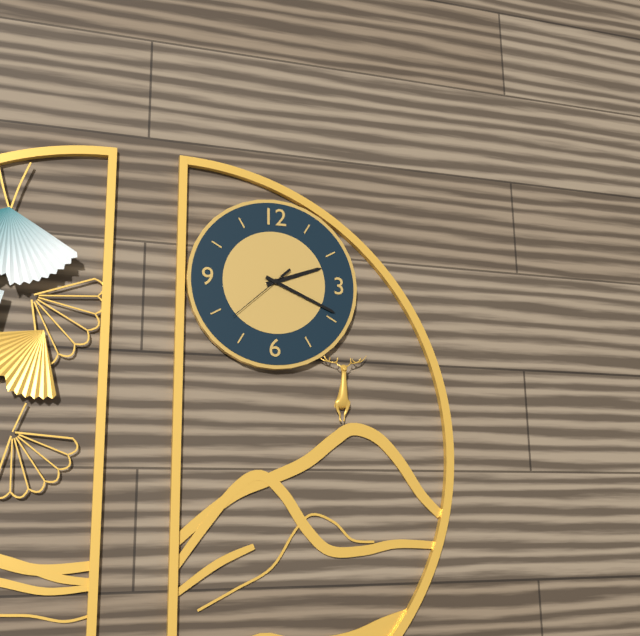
2:19:38
